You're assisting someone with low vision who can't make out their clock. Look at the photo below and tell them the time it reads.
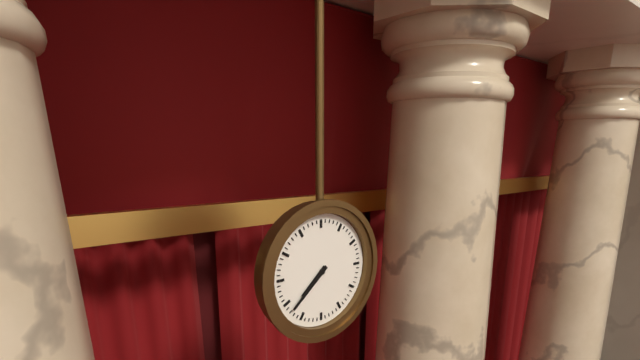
7:38
